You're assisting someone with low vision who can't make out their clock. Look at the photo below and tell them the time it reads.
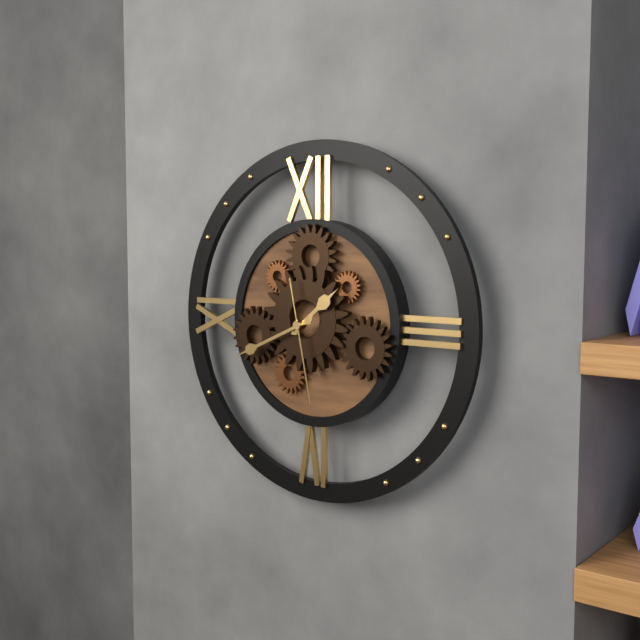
1:41:28
